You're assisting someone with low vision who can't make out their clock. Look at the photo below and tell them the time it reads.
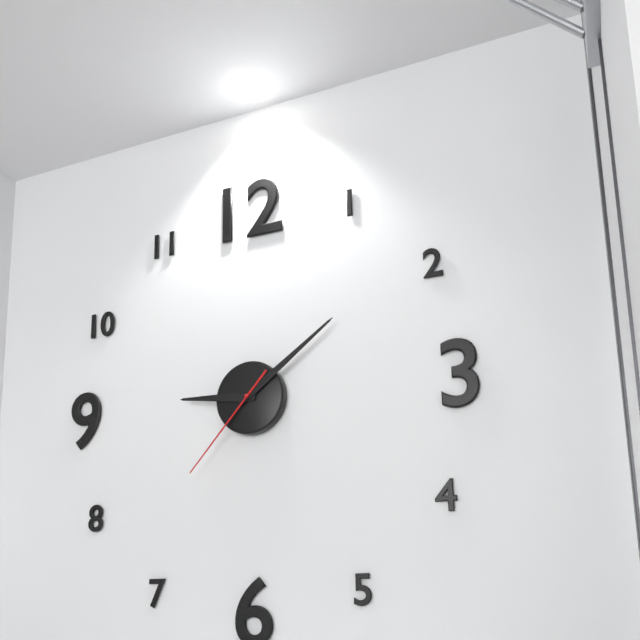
9:09:37
